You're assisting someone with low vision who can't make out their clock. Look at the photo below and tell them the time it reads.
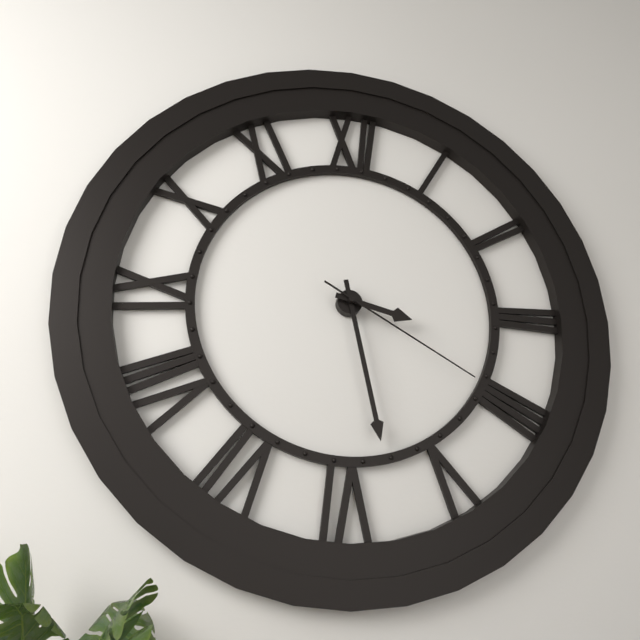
3:28:20
